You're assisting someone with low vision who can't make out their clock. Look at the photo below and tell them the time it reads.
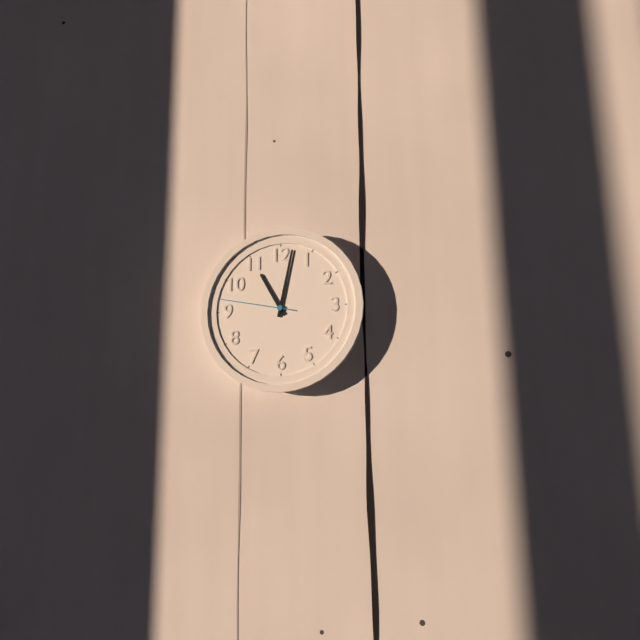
11:02:47
